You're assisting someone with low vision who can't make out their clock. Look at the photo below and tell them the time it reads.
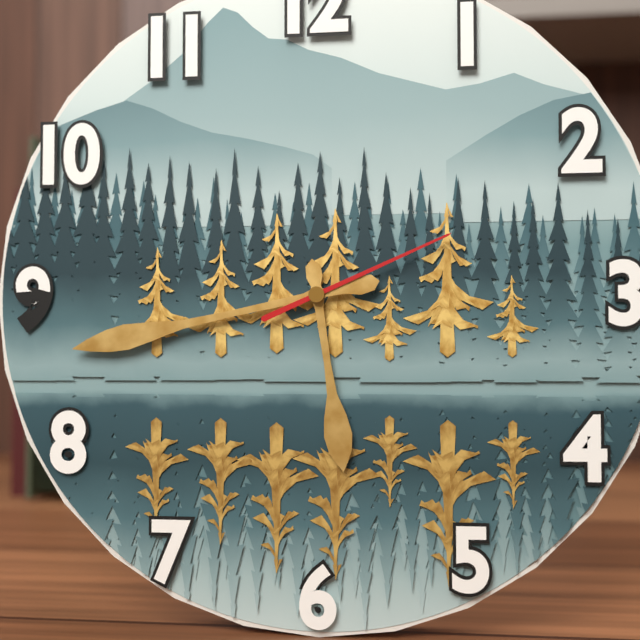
5:43:11
